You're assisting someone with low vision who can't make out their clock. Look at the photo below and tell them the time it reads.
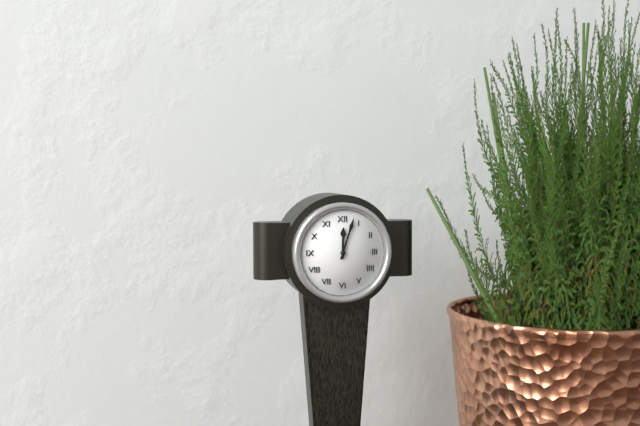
12:03
